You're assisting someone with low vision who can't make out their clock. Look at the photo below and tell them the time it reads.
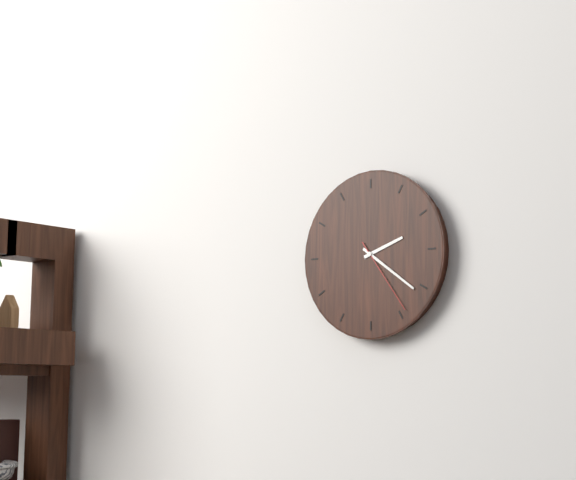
2:21:24
